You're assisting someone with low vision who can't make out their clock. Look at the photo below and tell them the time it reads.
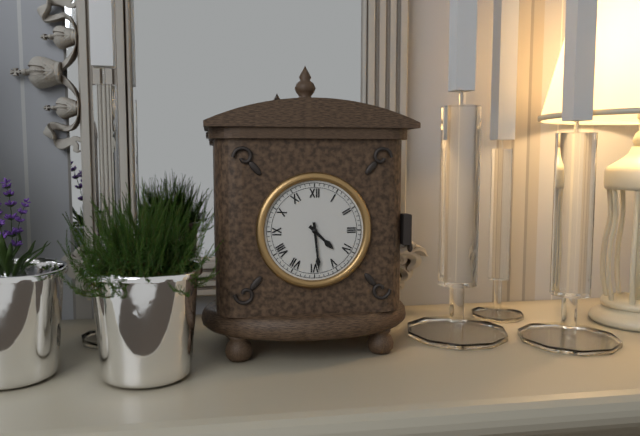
4:29
